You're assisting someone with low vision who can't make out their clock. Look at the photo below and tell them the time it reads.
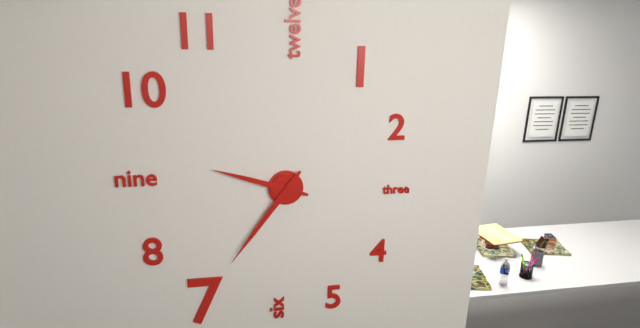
9:36
